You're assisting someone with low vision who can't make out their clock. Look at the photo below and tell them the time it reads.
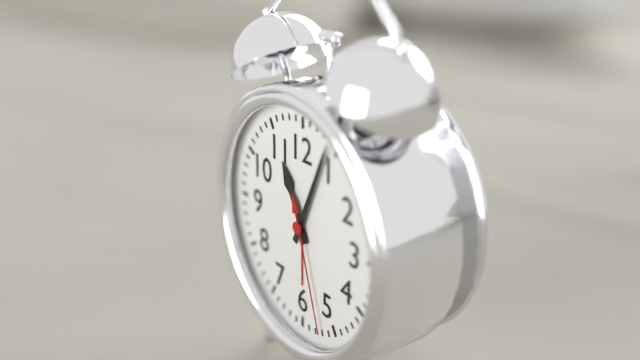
11:04:27
